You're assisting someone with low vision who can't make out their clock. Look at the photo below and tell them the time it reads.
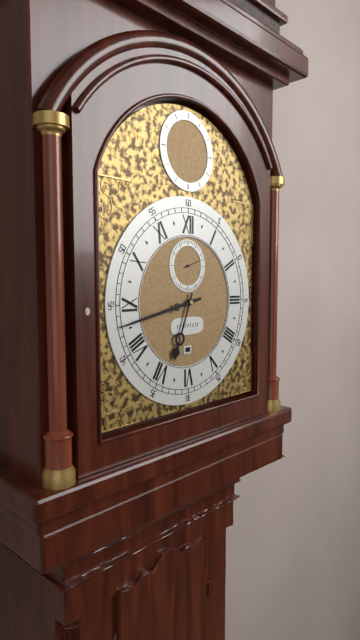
6:43
